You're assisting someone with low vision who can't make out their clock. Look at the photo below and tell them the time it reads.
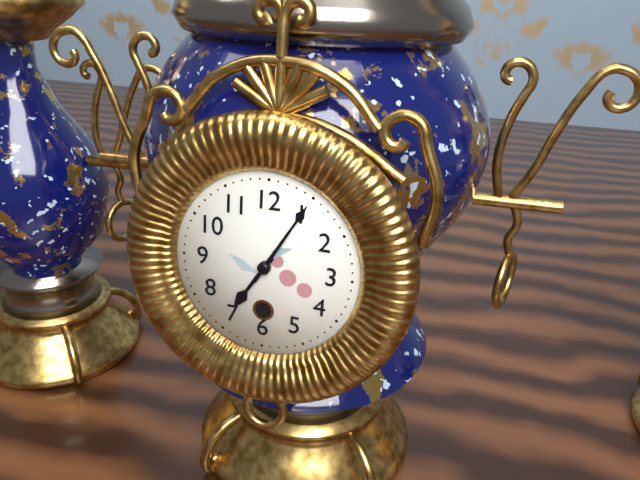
7:05
